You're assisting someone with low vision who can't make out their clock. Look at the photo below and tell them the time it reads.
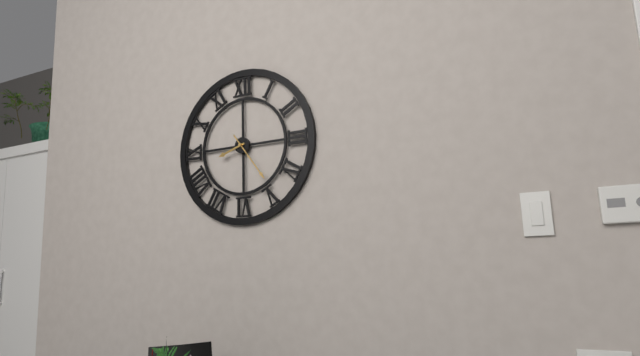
8:24
